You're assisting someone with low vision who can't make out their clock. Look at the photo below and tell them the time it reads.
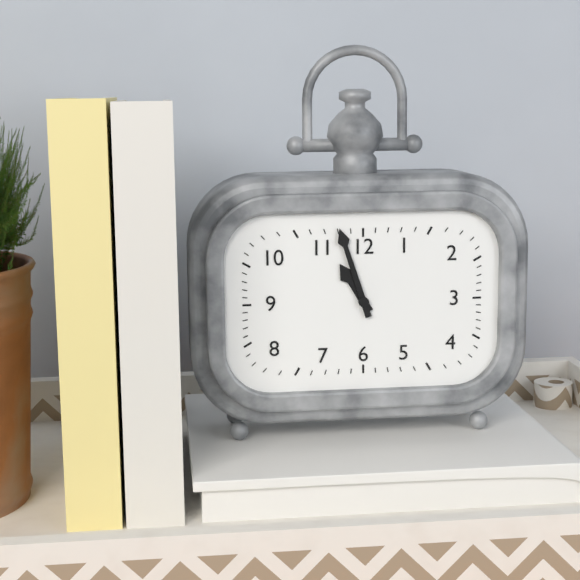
10:57
